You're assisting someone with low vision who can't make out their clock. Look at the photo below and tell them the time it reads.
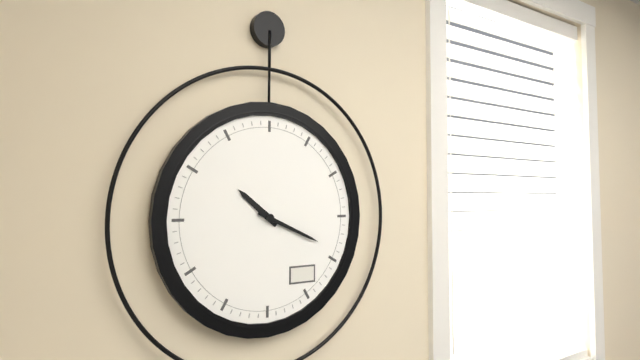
10:19
